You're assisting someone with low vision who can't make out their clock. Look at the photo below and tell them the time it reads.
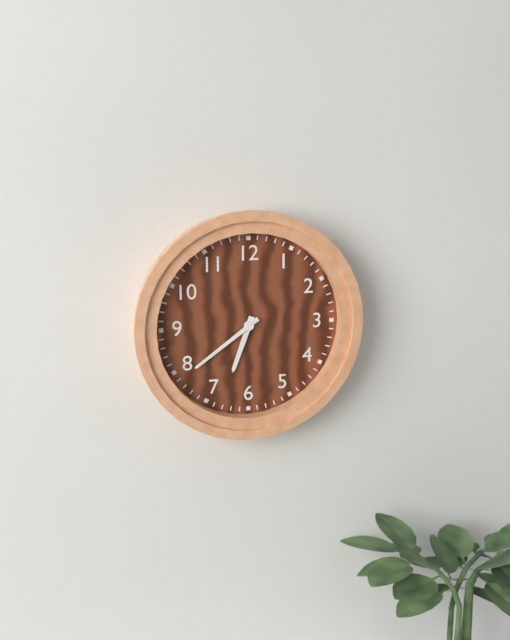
6:39
